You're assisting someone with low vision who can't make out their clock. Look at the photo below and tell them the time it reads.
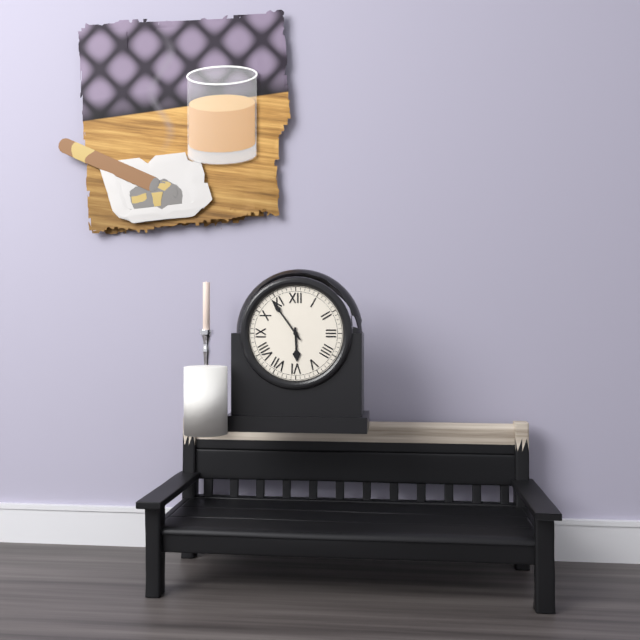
5:54
